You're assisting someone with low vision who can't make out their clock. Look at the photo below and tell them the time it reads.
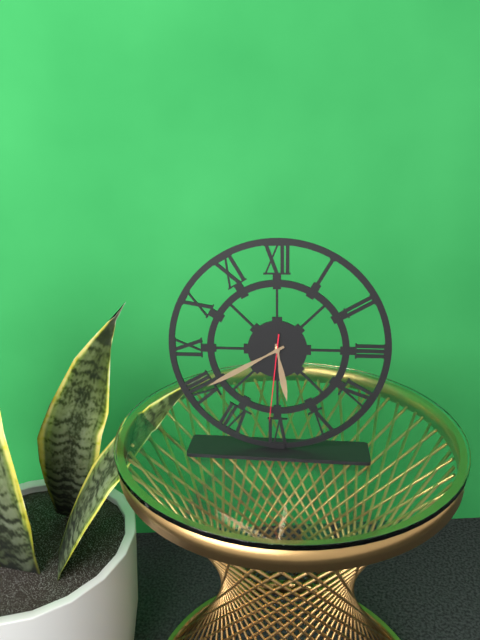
5:40:31
